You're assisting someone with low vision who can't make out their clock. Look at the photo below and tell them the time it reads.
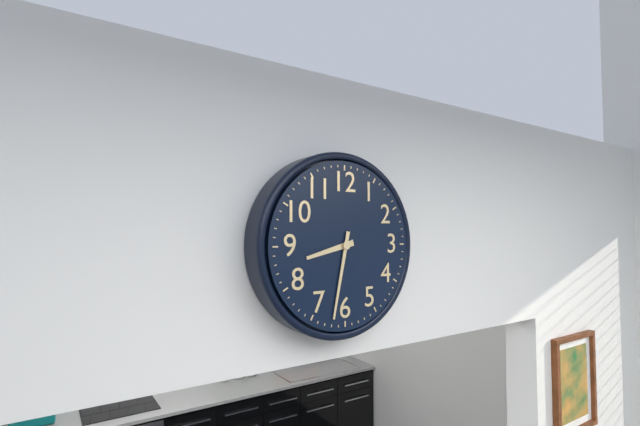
8:32
